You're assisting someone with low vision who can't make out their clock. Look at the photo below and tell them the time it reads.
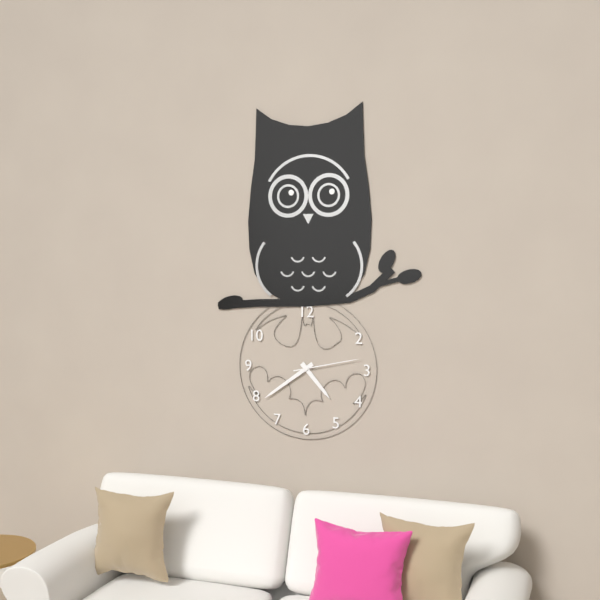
4:39:13
